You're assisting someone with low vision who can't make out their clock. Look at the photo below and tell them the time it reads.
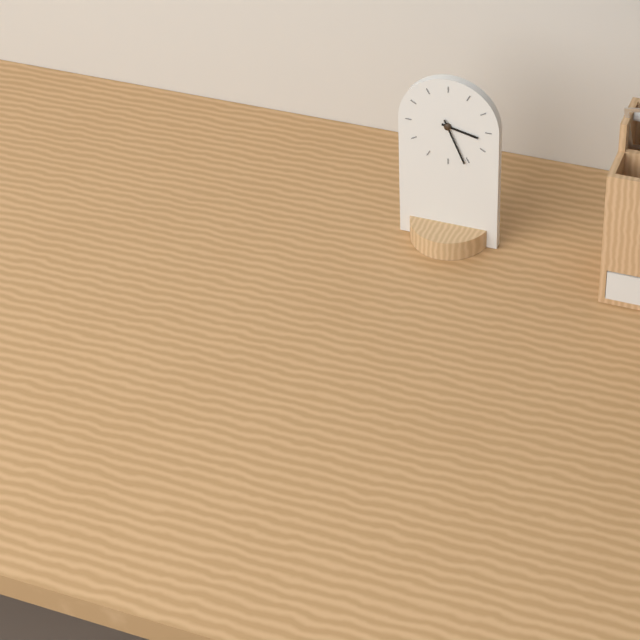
3:26
